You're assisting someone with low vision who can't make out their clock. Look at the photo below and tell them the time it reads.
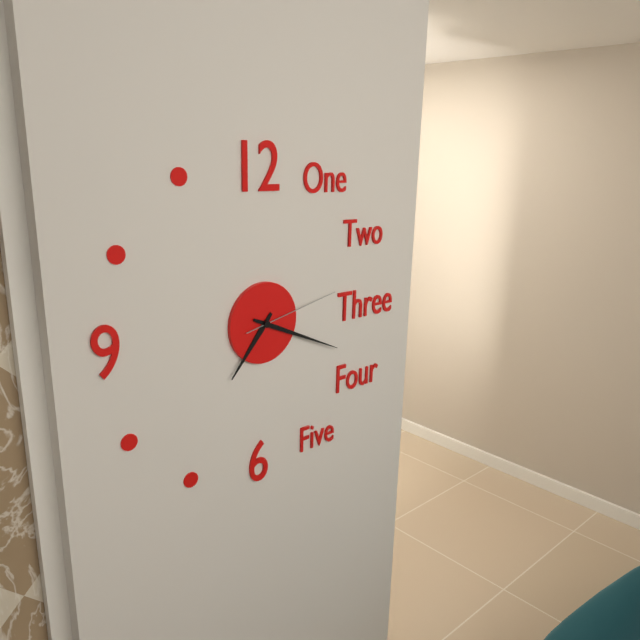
7:19:13
